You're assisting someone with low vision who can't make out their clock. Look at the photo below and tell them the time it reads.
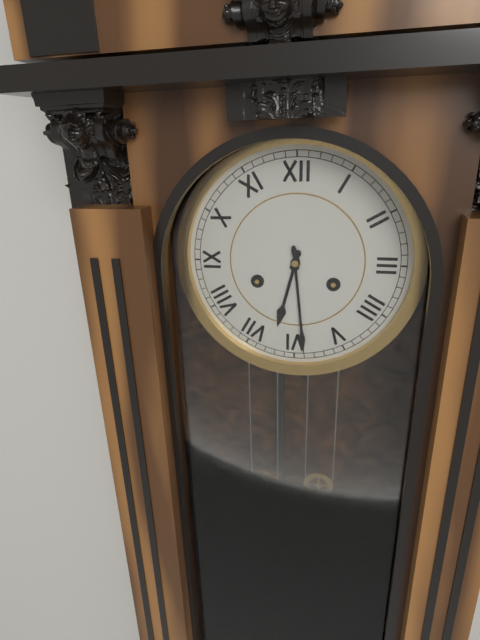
6:29
